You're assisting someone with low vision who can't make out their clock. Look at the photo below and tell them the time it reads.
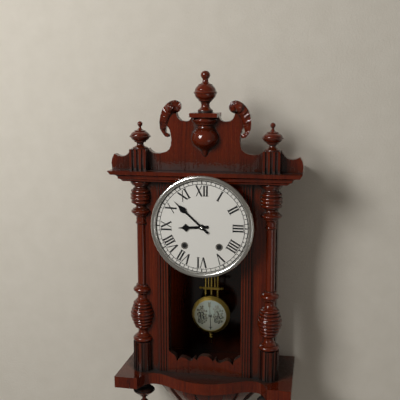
8:52
